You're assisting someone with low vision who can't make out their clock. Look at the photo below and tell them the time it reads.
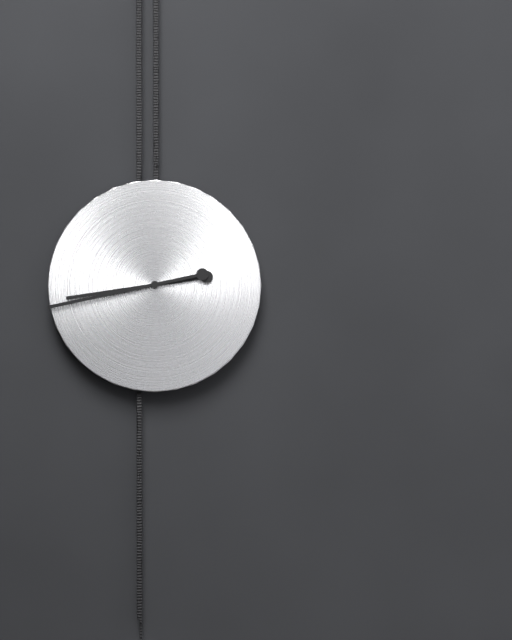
8:43
